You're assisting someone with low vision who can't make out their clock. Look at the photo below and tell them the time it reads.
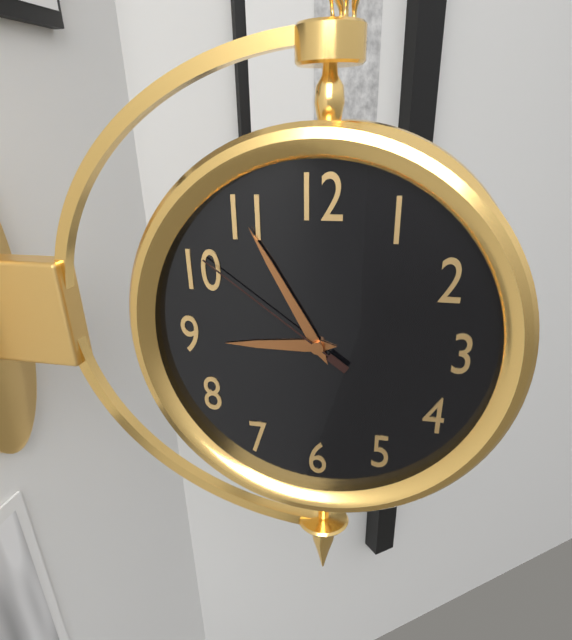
8:55:51
